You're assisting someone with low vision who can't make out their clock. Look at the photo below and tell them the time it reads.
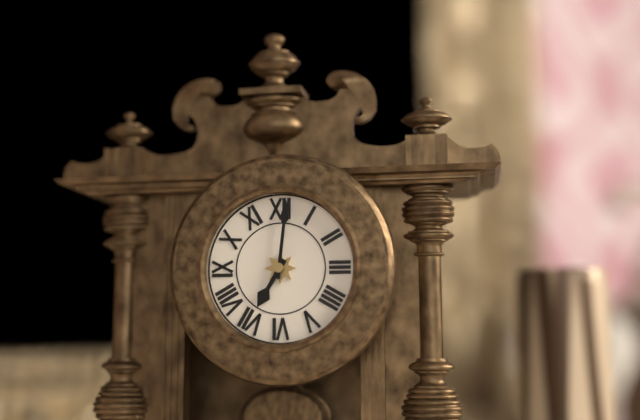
7:01
